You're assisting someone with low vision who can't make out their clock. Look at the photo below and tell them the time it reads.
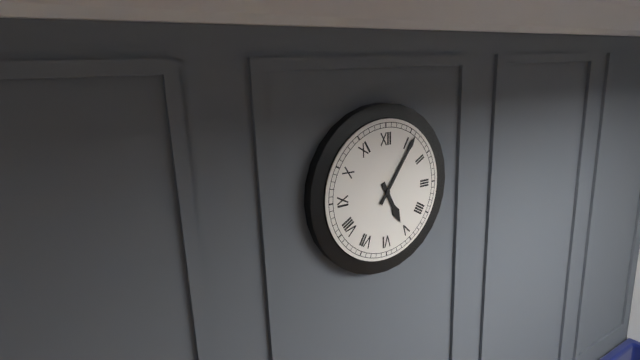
5:06
